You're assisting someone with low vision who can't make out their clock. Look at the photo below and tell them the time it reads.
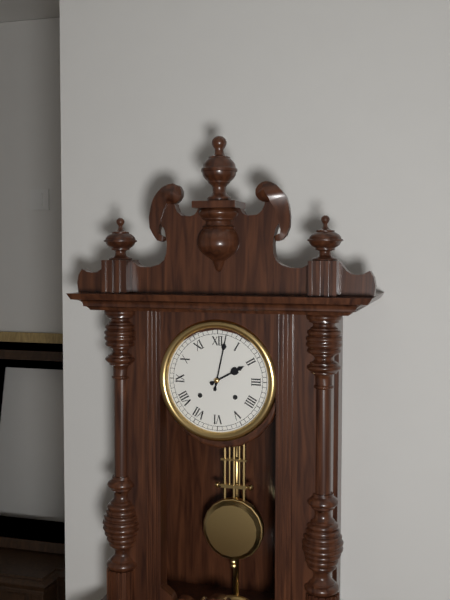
2:02
